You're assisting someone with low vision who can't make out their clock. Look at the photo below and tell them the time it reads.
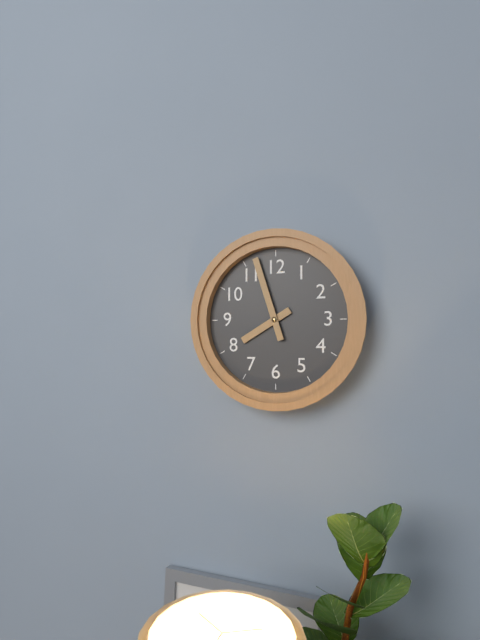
7:57
